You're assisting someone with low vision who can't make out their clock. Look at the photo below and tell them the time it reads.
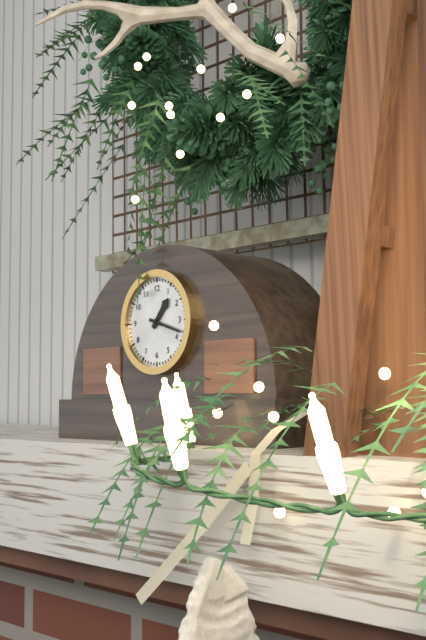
1:18
